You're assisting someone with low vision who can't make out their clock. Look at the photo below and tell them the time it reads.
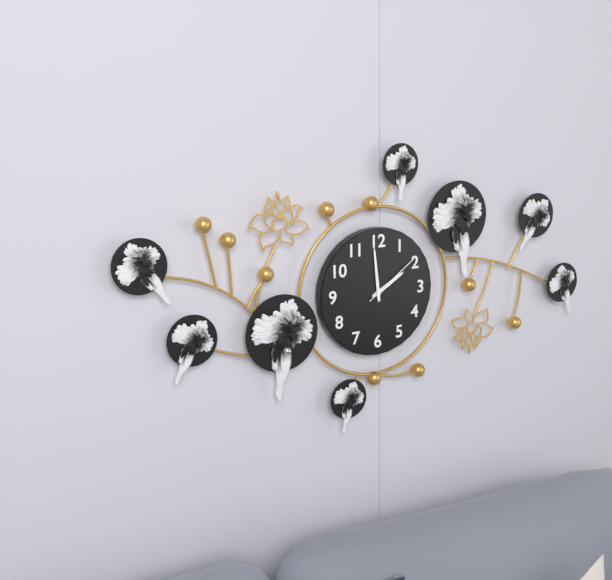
1:59:09
